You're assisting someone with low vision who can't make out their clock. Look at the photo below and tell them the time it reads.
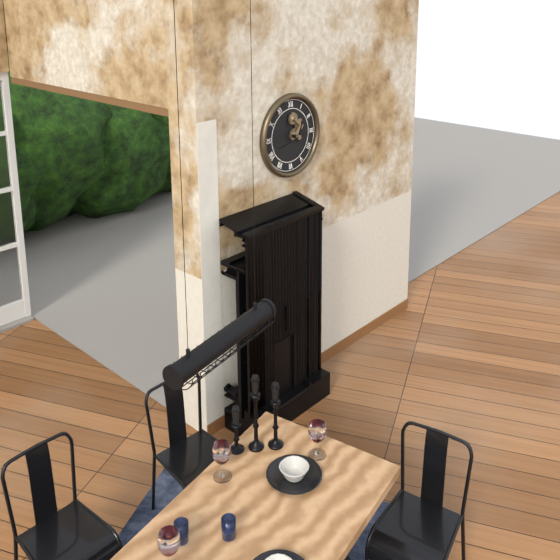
12:43
